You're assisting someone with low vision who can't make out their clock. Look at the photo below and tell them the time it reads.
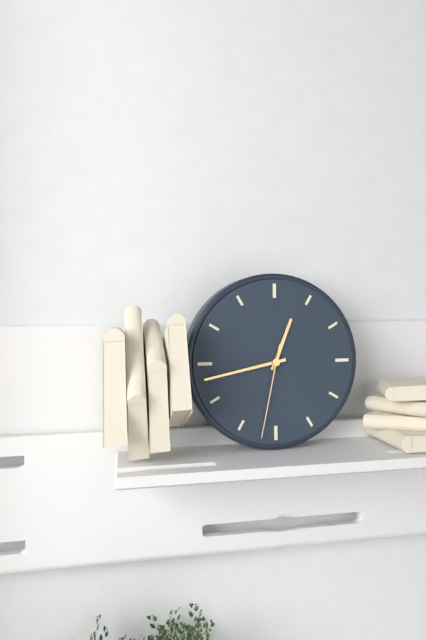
12:43:32
